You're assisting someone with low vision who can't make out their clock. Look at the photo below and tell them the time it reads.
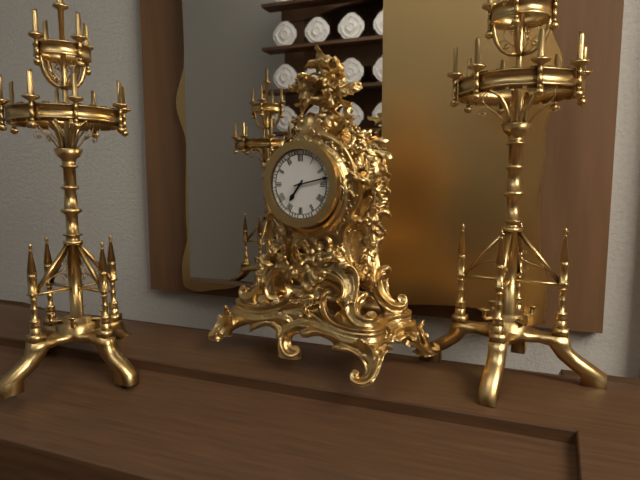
7:13
